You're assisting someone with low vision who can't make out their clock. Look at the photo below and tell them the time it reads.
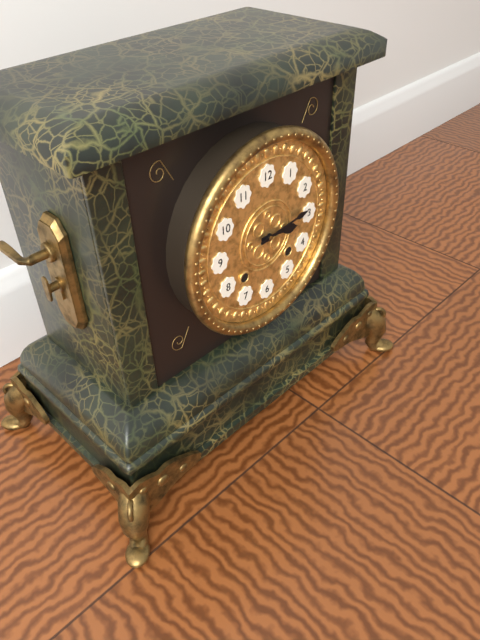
3:14
